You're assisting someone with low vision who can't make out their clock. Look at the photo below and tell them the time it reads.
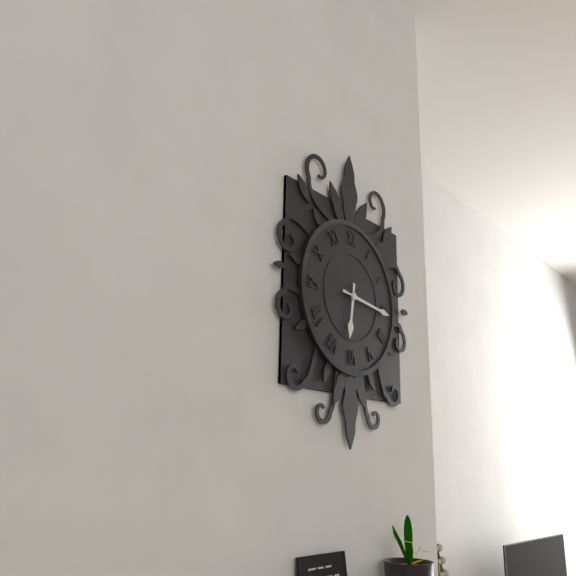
6:16
